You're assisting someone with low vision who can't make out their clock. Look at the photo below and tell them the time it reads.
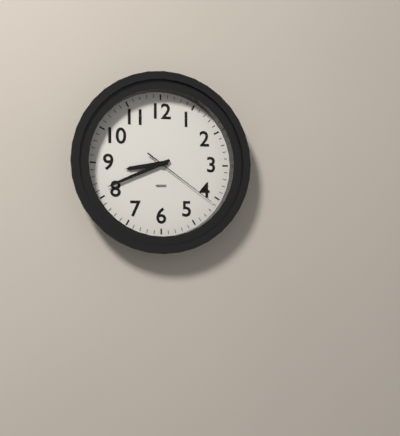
8:41:21
